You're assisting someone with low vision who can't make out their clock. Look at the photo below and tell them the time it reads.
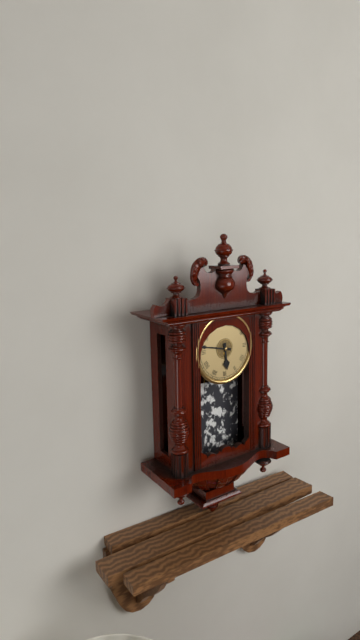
5:47
